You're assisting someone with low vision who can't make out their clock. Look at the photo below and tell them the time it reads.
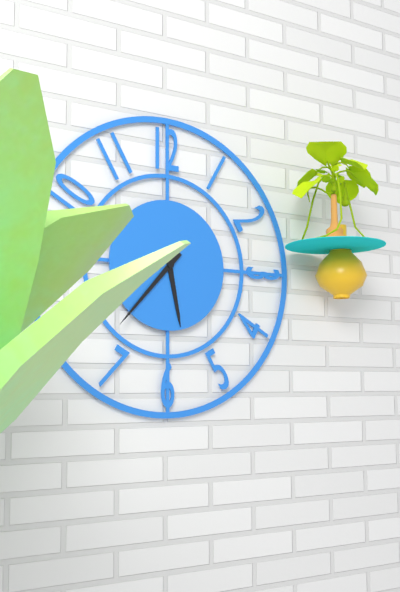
5:37
